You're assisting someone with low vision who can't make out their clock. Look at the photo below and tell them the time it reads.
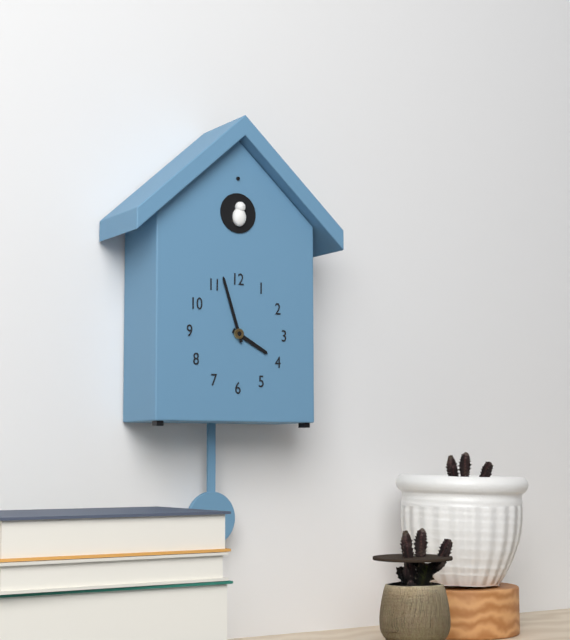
3:57
